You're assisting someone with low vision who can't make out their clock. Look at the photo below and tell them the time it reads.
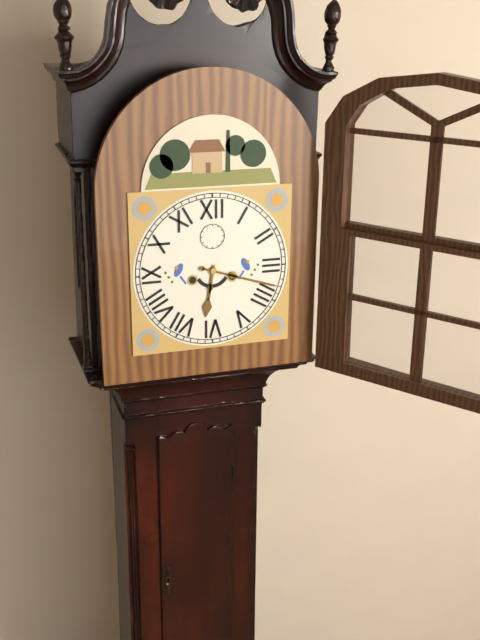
6:18
